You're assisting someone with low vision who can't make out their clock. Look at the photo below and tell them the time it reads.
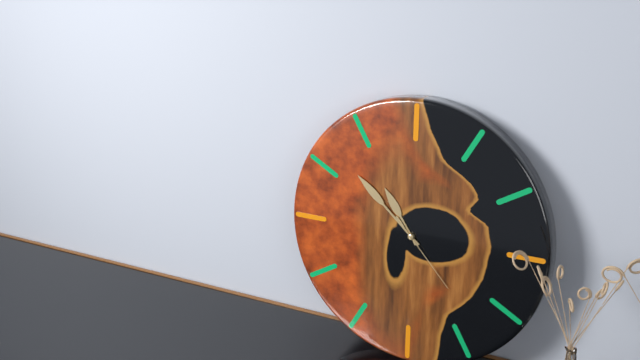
10:52:23
